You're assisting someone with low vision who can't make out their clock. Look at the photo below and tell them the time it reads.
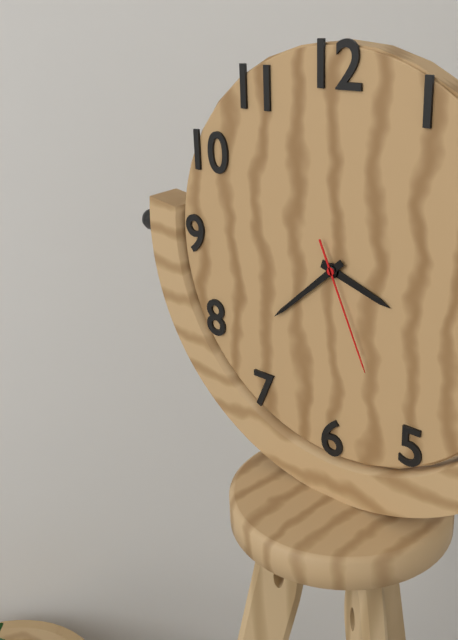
3:38:26
